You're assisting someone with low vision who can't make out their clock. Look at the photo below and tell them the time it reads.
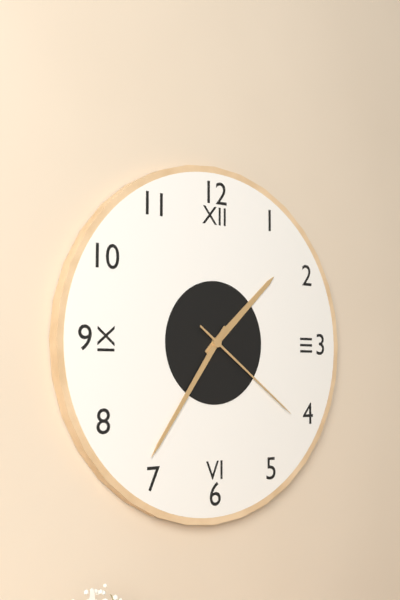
1:36:21
